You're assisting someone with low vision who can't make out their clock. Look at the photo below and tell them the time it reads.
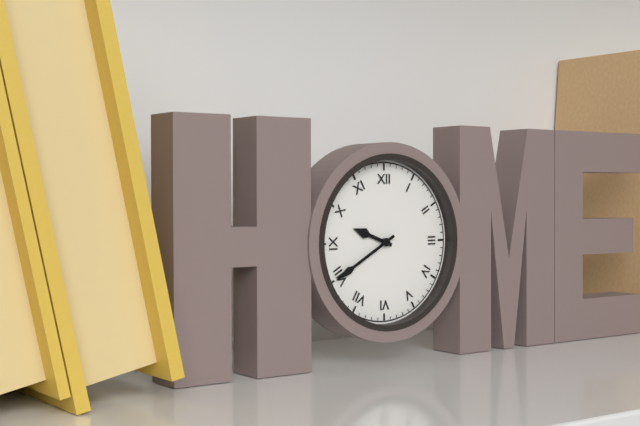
9:40
